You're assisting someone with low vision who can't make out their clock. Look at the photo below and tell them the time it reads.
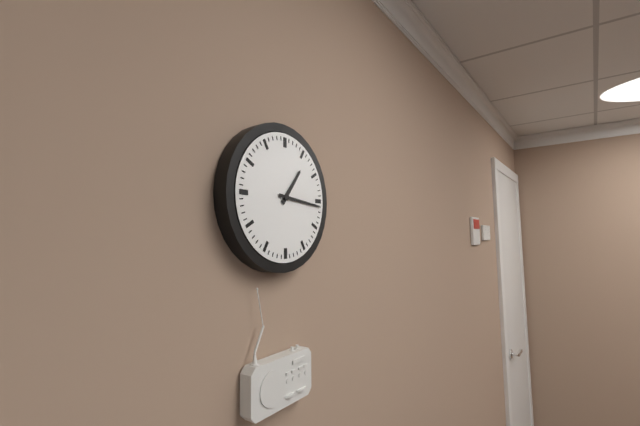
1:16
